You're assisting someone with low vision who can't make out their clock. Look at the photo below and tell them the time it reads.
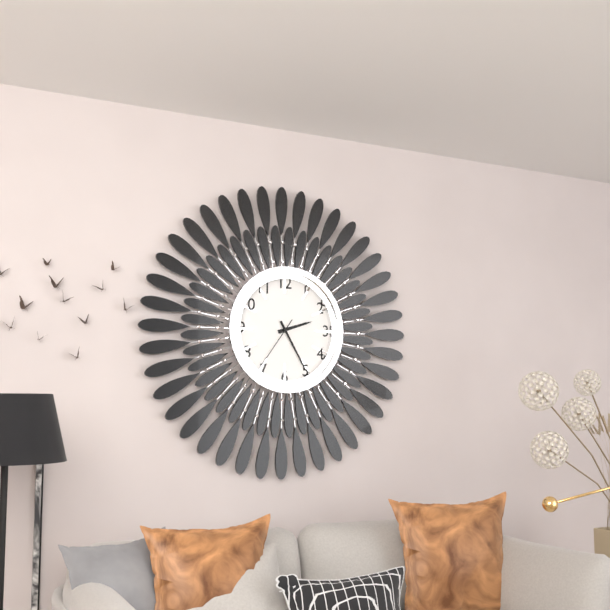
2:25:36
